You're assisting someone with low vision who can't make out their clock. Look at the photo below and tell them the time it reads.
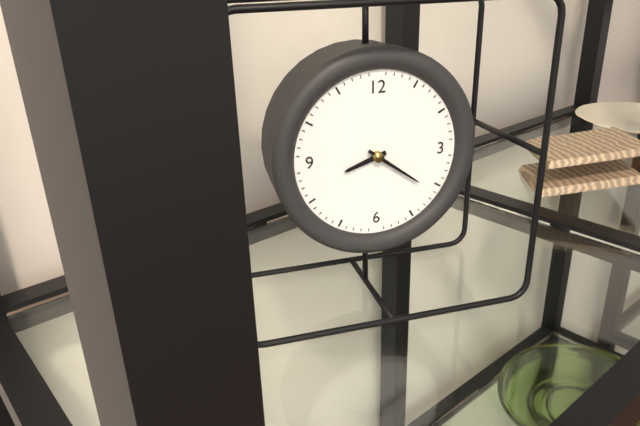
8:21
